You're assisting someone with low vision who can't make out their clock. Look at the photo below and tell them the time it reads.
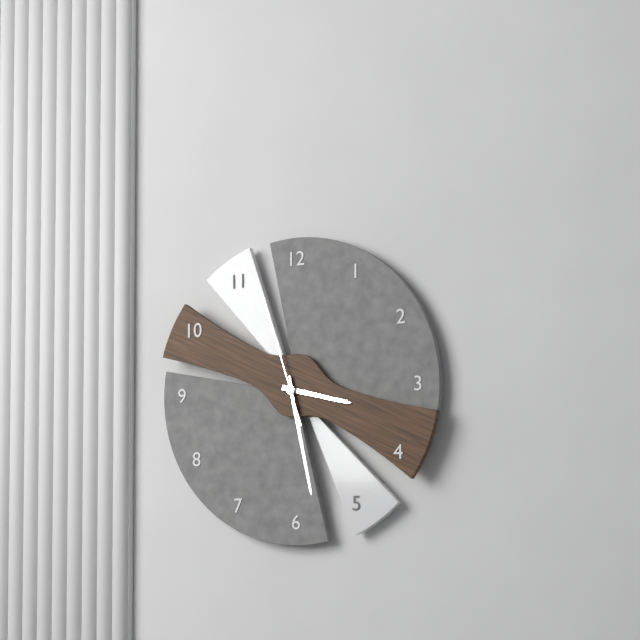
3:28:57
